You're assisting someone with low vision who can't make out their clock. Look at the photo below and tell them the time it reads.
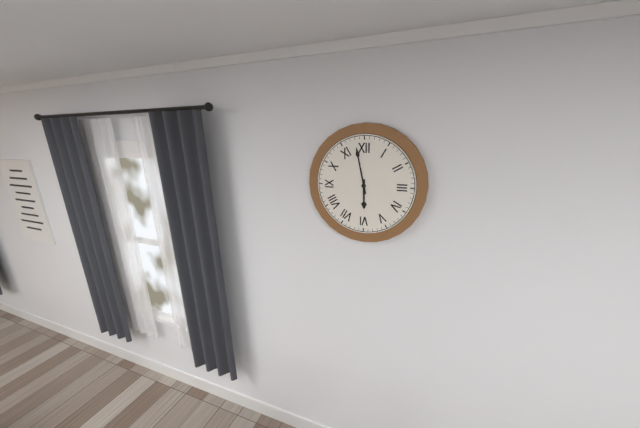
5:58
